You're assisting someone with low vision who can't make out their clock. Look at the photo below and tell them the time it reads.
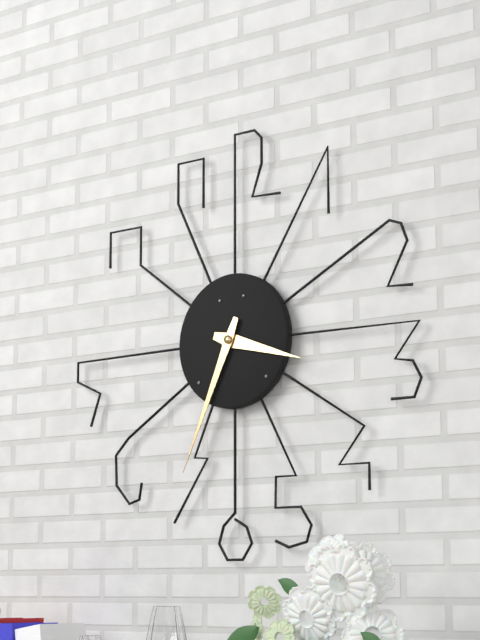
3:34
